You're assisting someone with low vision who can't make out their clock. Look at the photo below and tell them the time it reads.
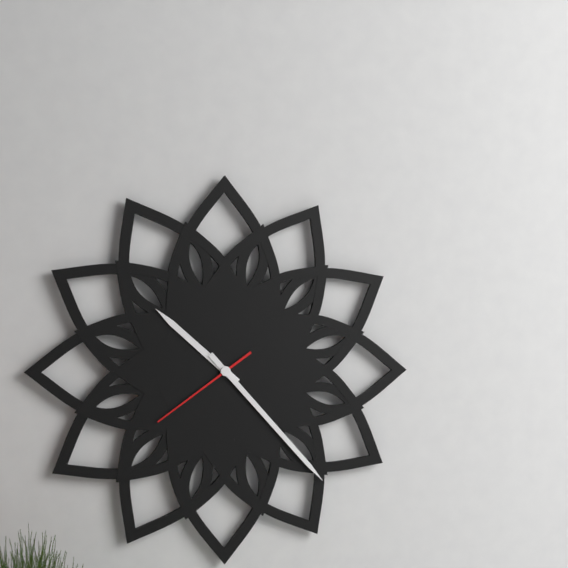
10:23:39
